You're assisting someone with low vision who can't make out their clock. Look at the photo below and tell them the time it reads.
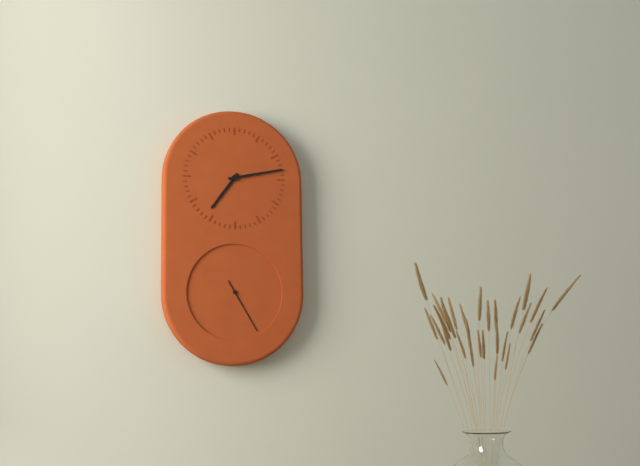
7:13:25
